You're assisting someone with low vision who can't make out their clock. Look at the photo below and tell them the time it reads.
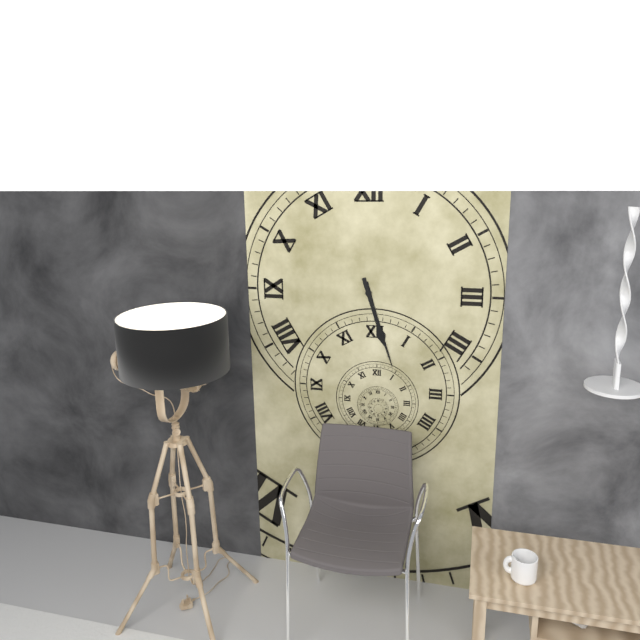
5:27
